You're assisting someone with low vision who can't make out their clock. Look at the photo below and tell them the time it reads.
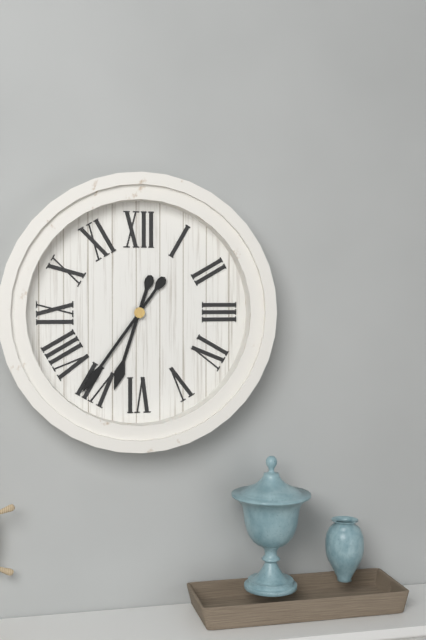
6:36
